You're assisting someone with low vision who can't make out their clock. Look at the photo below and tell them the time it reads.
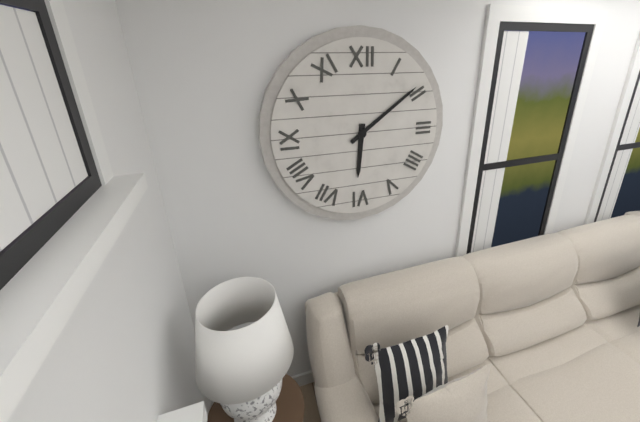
6:09
